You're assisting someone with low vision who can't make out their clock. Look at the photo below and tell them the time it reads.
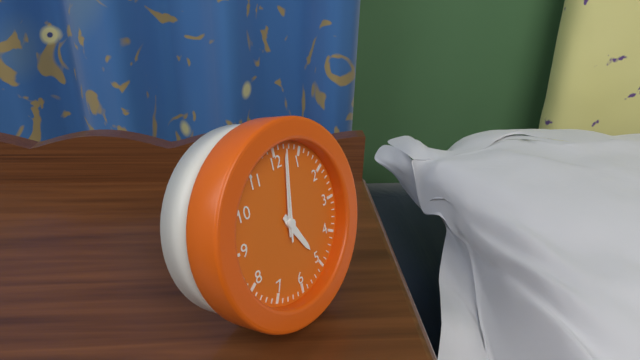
5:02:02
